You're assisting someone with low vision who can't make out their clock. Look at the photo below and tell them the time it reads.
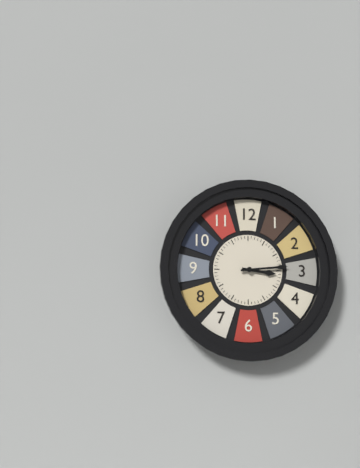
3:14
